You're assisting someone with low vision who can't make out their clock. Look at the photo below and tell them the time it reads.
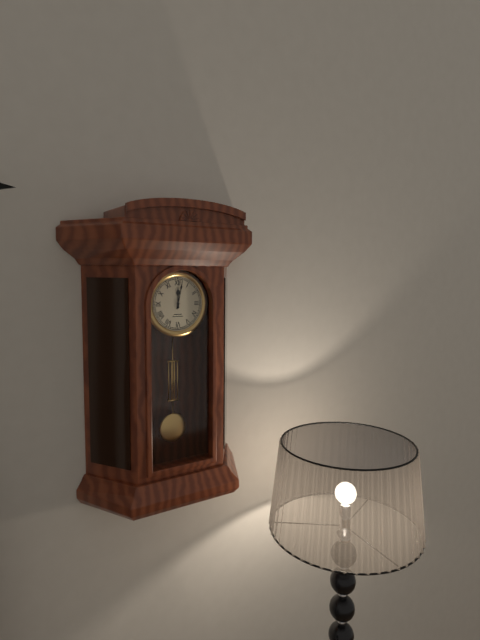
12:02
